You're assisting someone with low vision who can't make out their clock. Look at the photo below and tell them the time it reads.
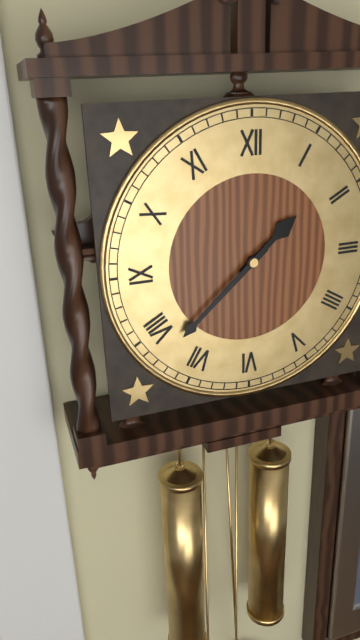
1:38
